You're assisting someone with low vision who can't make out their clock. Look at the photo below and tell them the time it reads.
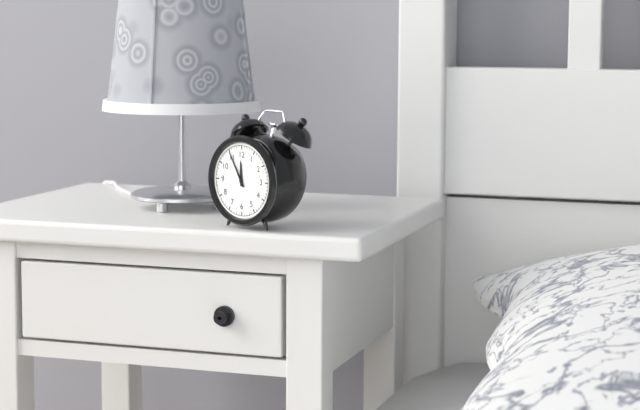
11:55
